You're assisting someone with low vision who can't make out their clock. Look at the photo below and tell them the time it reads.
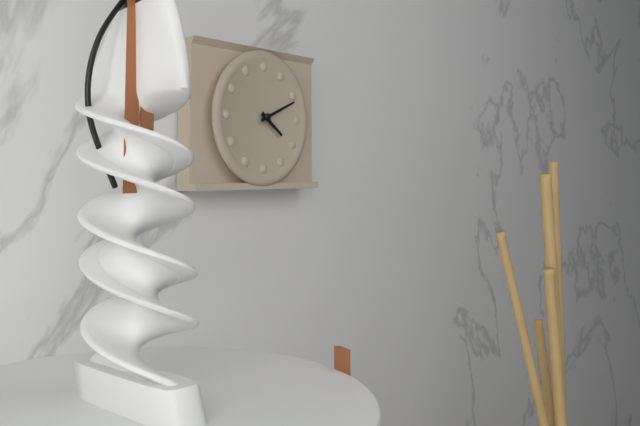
4:11
